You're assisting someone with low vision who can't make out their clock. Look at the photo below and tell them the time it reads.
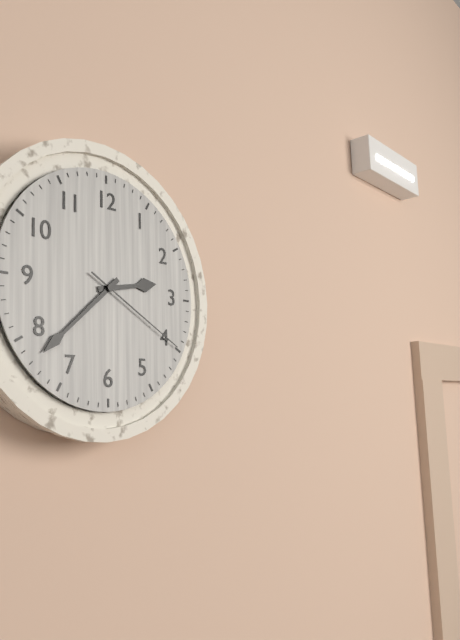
2:38:20
